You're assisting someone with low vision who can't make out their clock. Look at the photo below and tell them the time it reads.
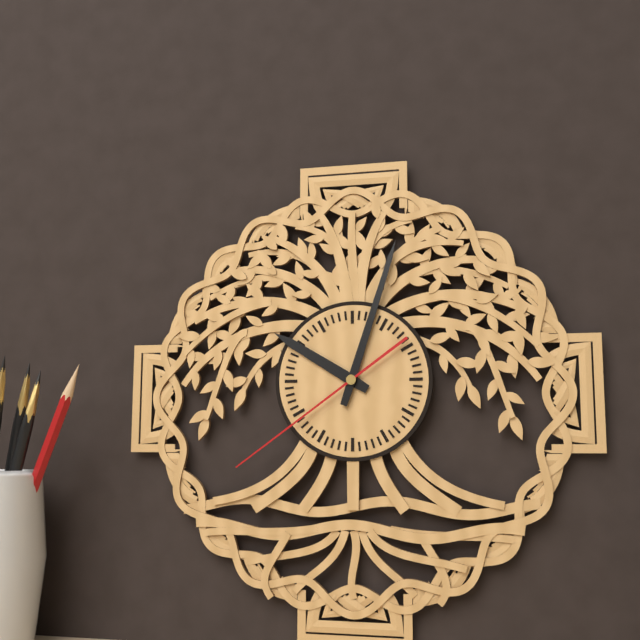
10:03:39
